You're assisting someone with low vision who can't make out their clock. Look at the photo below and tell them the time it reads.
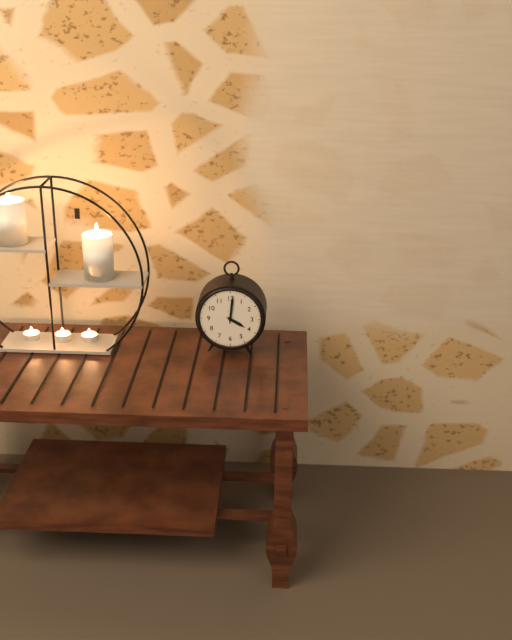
4:01
